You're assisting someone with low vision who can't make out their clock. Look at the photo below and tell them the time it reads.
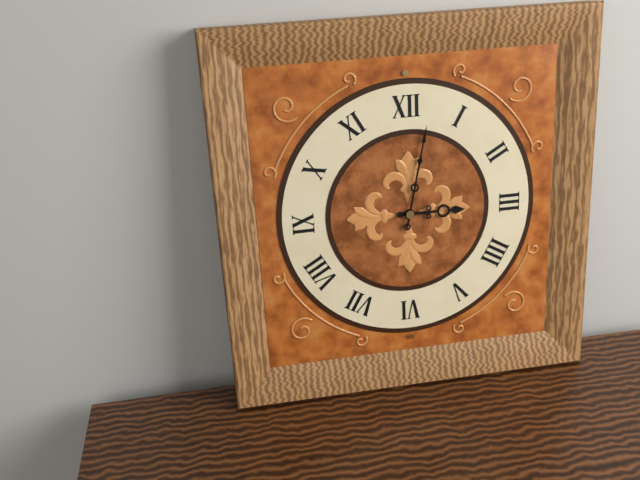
3:02
